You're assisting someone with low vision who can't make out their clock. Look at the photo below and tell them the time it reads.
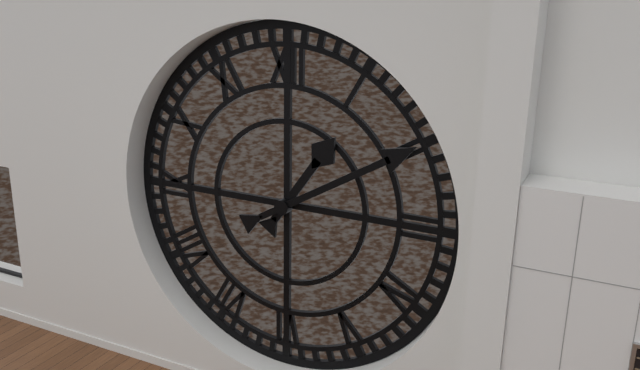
1:10
